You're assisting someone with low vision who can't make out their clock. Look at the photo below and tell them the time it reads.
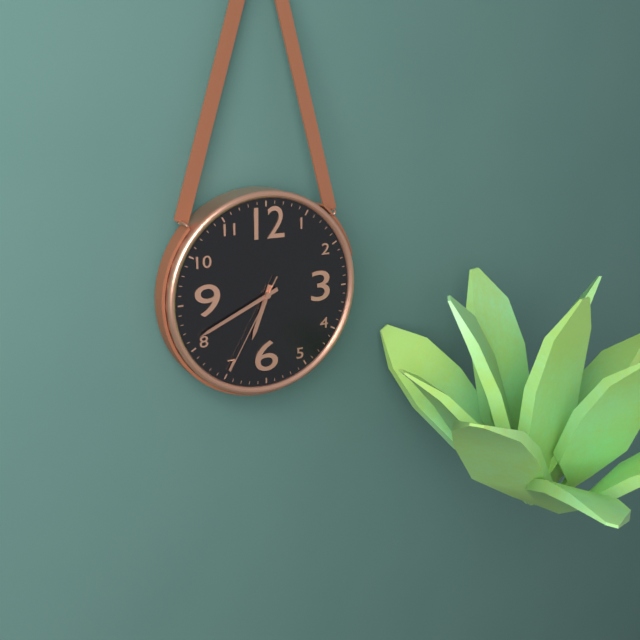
6:41:35
